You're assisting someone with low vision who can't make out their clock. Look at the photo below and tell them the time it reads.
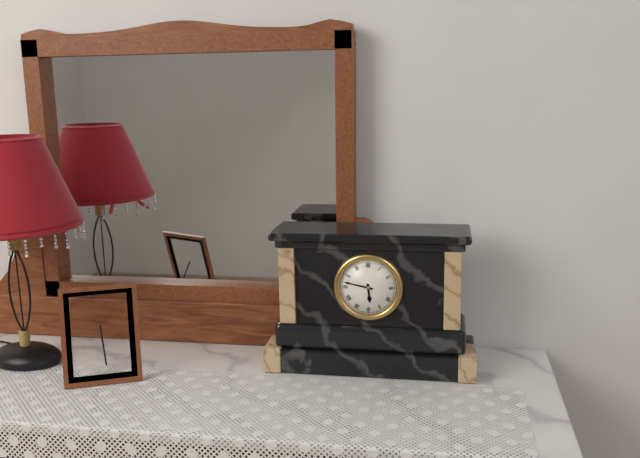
5:47
